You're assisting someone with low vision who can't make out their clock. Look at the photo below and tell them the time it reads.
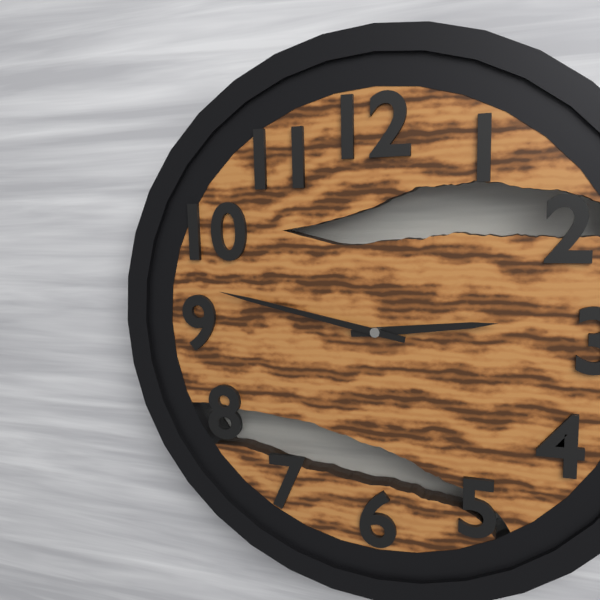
2:47
